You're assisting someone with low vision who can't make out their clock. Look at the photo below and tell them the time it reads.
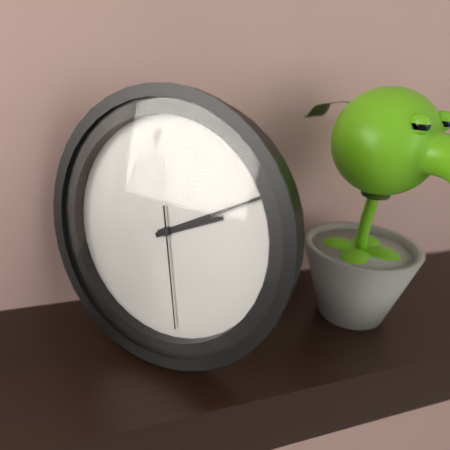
2:10:28
